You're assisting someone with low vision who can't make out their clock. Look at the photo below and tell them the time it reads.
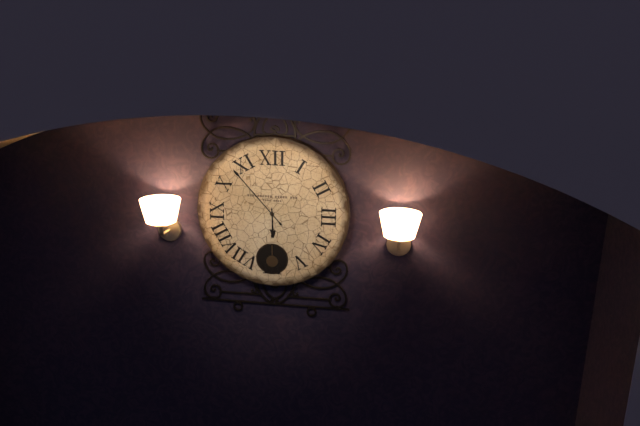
5:53
